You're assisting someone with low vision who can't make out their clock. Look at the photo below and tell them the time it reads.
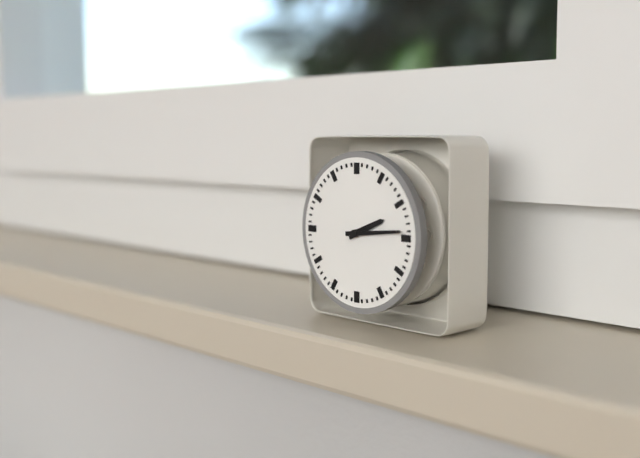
2:14
